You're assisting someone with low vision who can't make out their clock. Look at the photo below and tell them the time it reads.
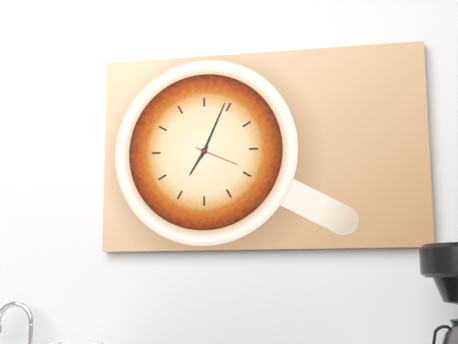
7:04
